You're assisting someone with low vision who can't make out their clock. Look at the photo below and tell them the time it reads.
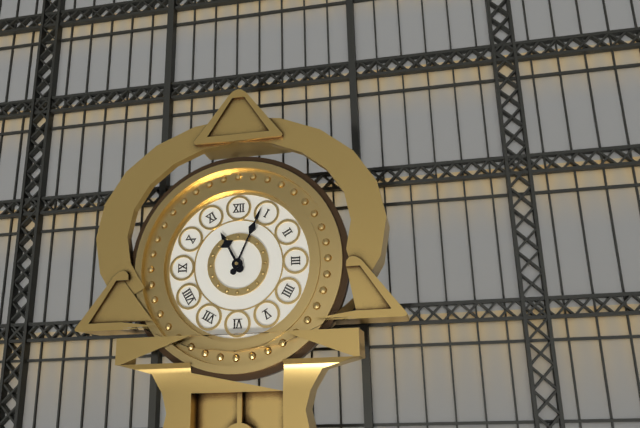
11:04
